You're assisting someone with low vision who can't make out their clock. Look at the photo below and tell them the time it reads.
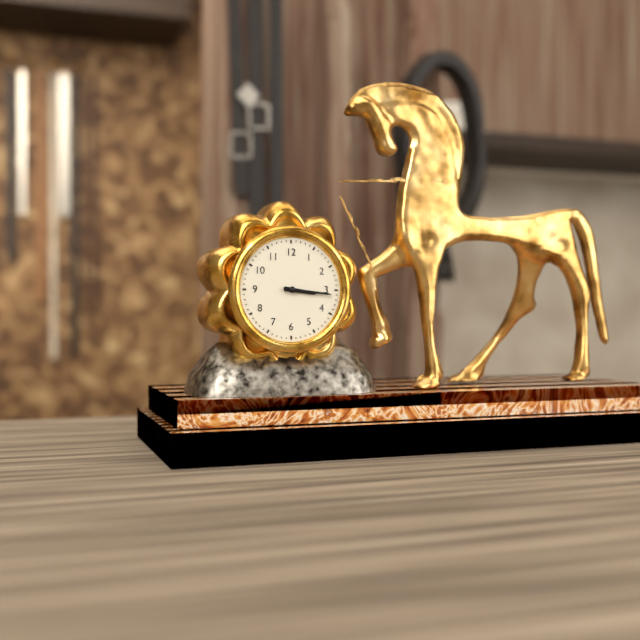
3:16
